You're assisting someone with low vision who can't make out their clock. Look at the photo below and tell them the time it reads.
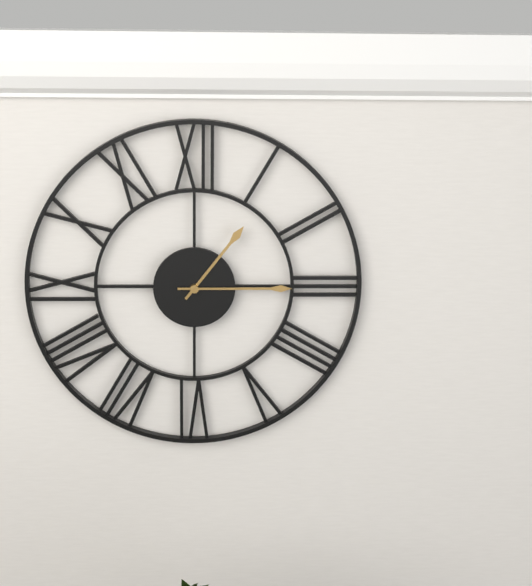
1:15
